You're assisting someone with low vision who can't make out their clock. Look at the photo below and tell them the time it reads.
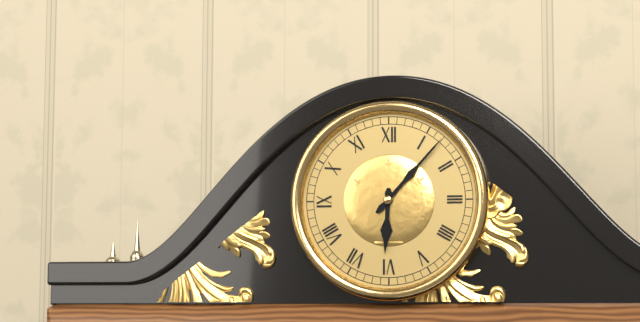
6:07
